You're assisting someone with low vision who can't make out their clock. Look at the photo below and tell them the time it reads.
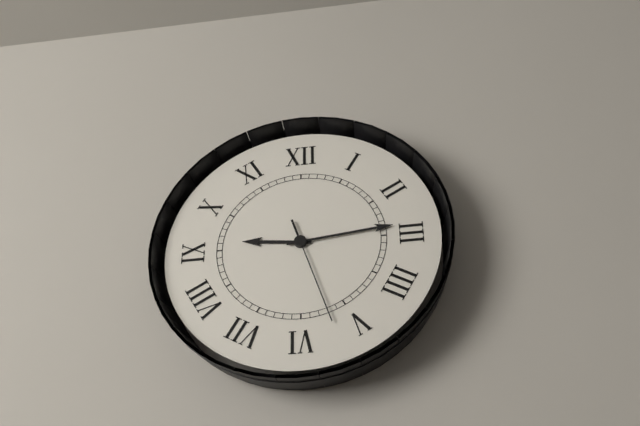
9:14:27
